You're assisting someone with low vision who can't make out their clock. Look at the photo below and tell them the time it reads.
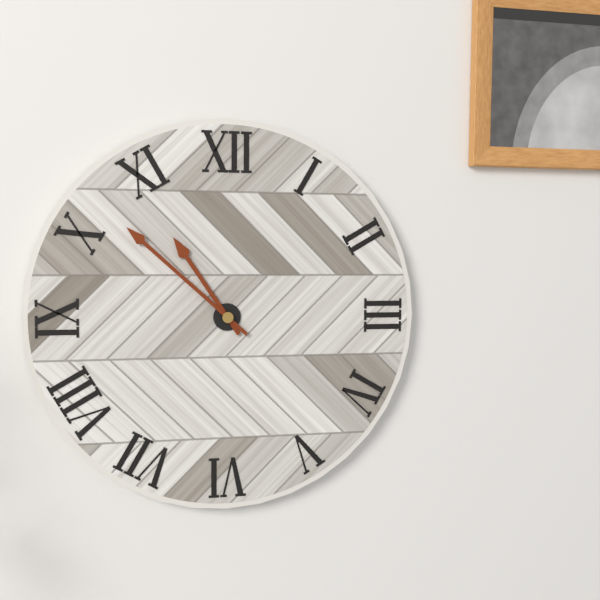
10:52
